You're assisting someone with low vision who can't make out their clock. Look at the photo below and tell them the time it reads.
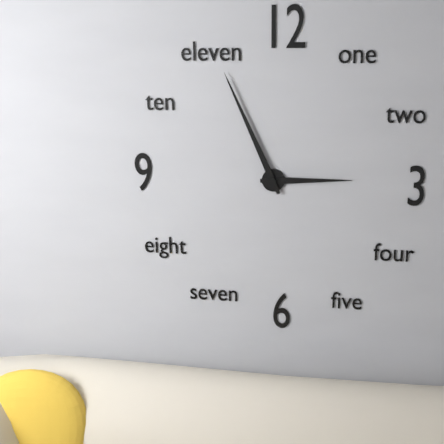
2:56
